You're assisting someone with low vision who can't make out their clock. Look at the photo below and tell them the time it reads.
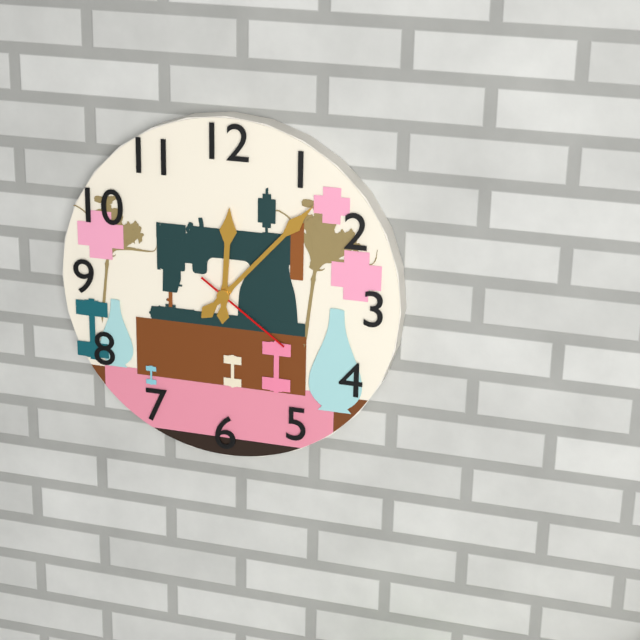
12:07:21
